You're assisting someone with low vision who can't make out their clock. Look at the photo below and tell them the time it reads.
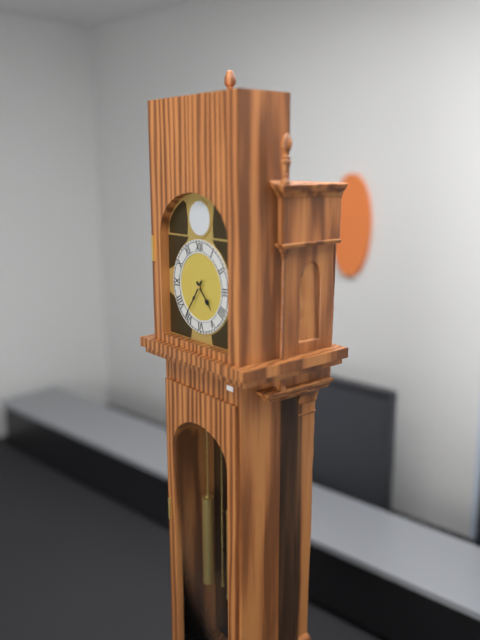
4:36
